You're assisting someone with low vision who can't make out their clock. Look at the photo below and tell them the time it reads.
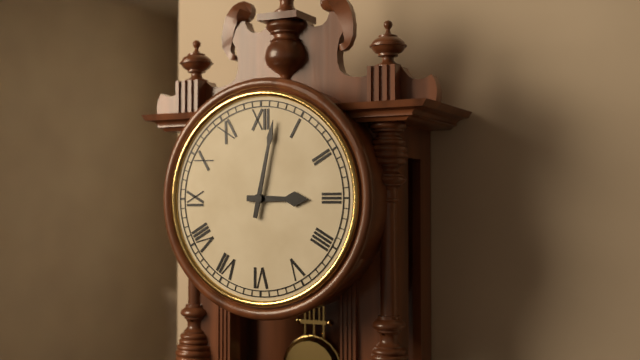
3:02
